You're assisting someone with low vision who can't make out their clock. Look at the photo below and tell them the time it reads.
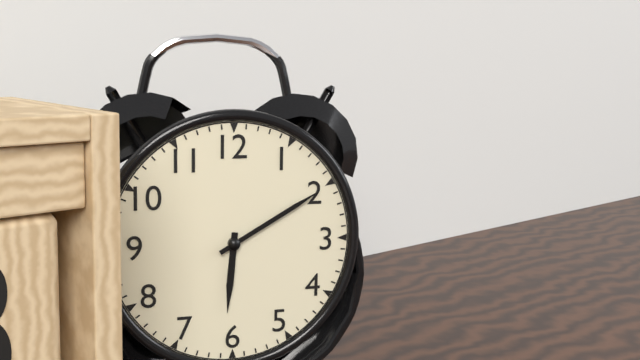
6:10
